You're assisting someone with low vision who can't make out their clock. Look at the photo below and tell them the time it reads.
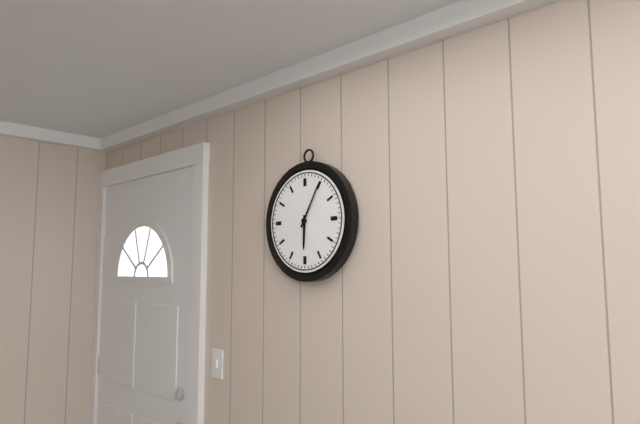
6:05
